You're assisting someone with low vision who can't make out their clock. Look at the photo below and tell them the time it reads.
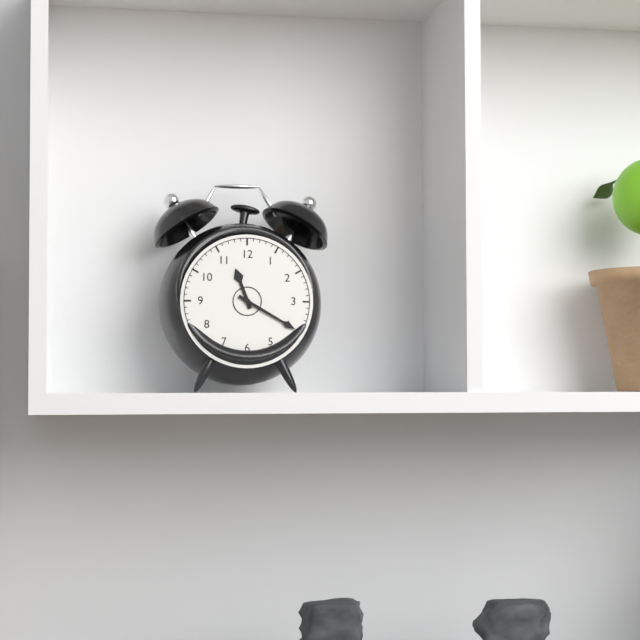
11:20
